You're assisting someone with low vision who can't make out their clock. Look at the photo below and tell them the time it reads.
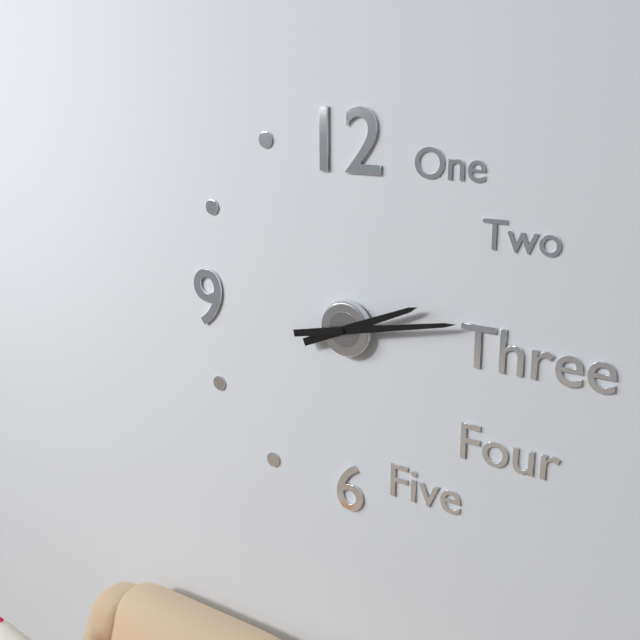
2:13
